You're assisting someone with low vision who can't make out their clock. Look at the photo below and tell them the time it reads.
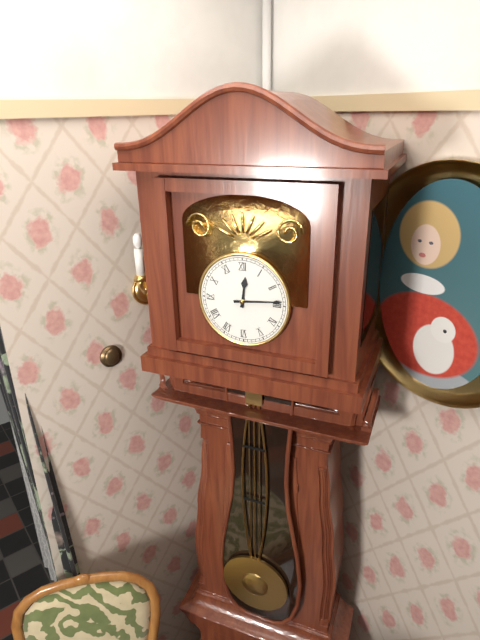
12:14
